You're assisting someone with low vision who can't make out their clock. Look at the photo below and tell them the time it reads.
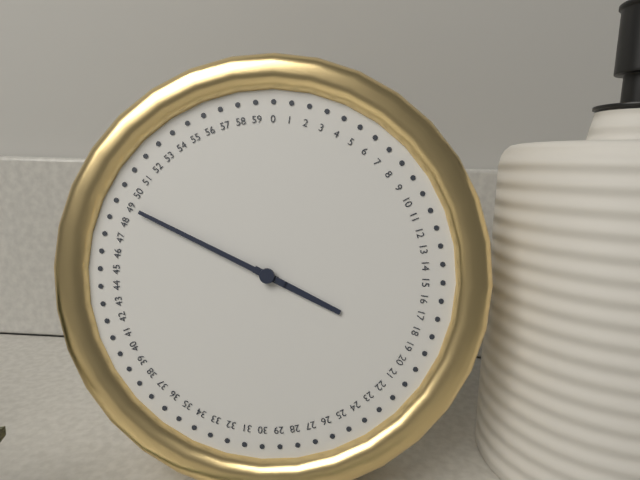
3:49
